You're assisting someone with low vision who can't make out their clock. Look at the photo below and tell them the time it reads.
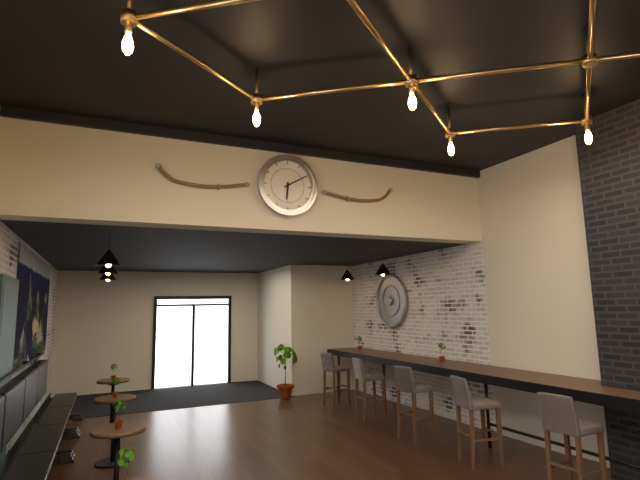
6:10
